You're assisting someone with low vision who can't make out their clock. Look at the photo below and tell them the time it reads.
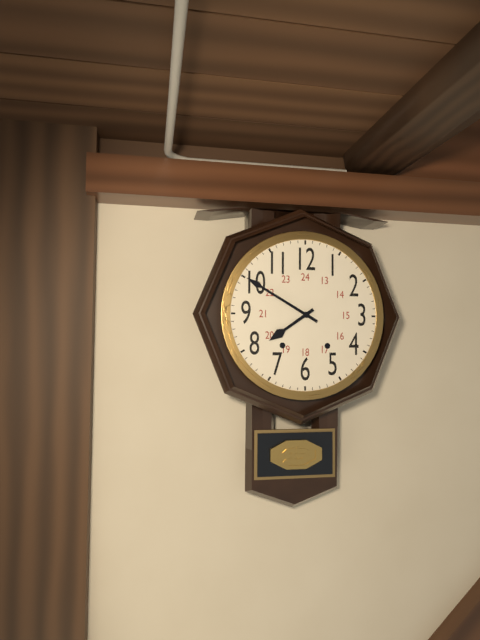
7:50
